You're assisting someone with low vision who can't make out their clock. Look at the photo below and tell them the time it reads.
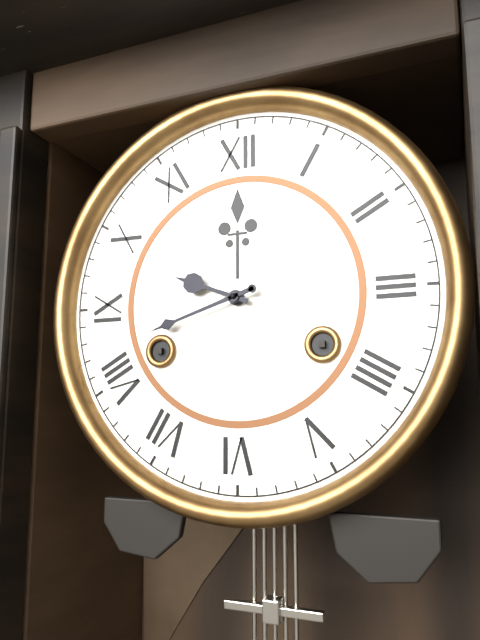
9:42
